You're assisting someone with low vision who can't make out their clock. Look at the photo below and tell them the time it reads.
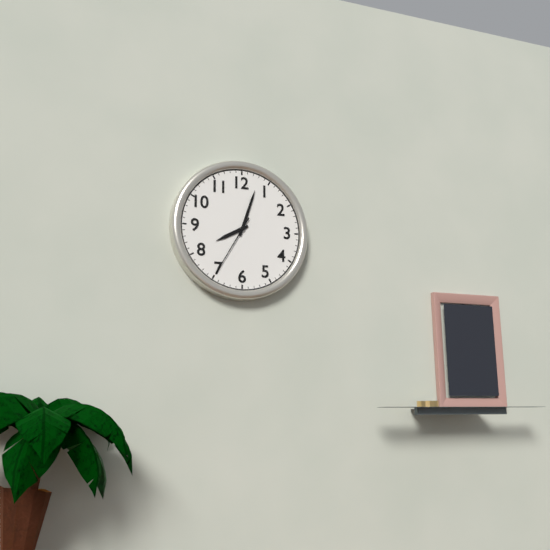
8:03:35
